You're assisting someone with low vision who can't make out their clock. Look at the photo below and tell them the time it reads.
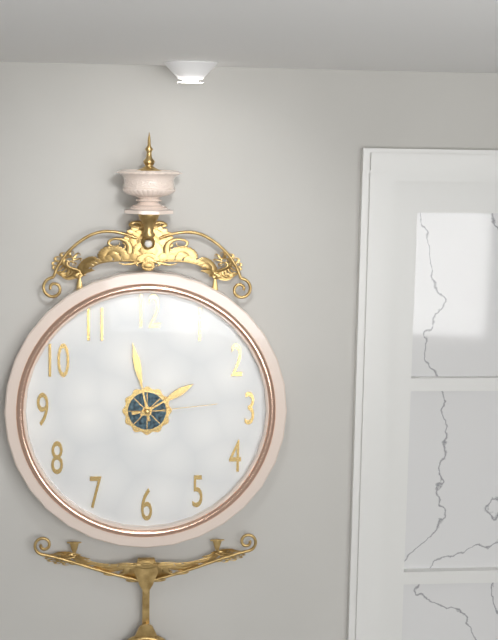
1:58:14
